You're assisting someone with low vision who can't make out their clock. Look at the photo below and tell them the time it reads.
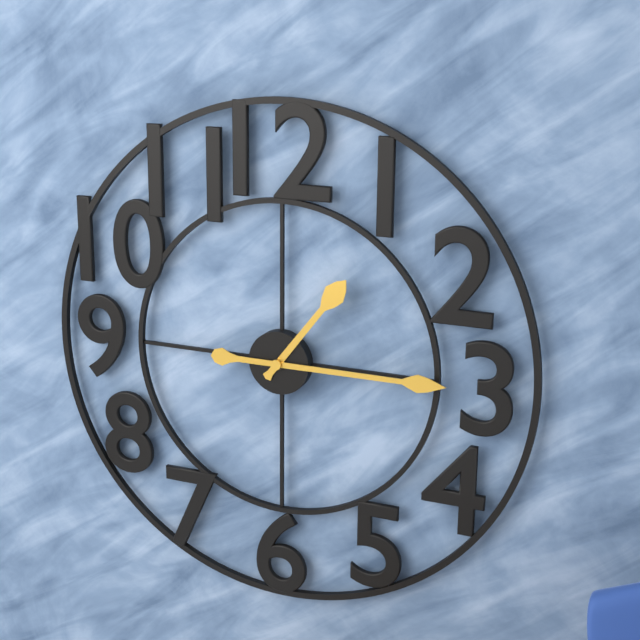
1:15
